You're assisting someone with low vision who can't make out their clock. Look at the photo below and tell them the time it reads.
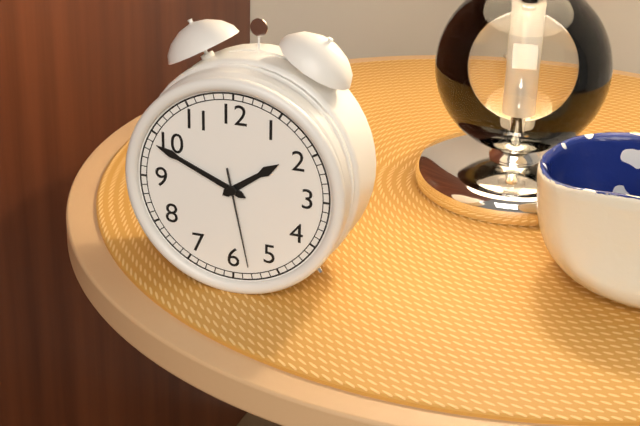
1:49:28
